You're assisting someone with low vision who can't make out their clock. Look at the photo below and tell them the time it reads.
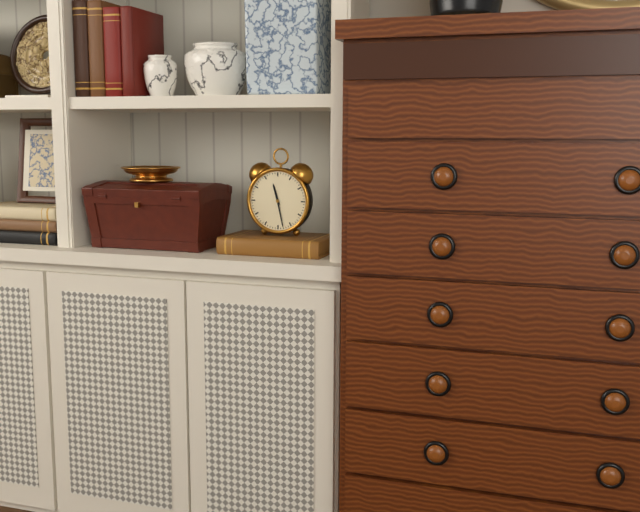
11:28
